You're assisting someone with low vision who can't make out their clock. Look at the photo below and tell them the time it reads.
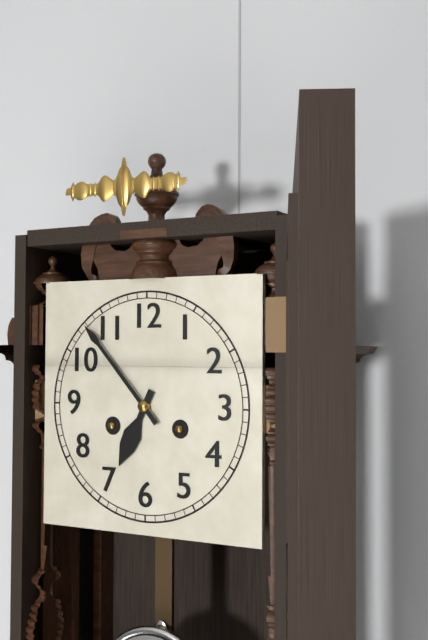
6:53
